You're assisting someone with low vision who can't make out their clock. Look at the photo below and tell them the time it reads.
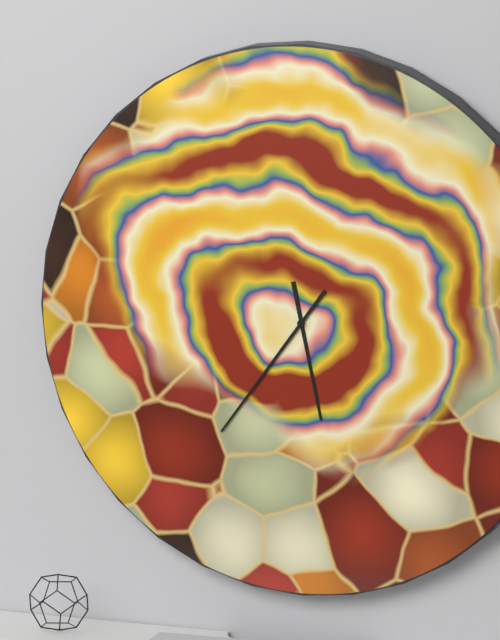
5:36
